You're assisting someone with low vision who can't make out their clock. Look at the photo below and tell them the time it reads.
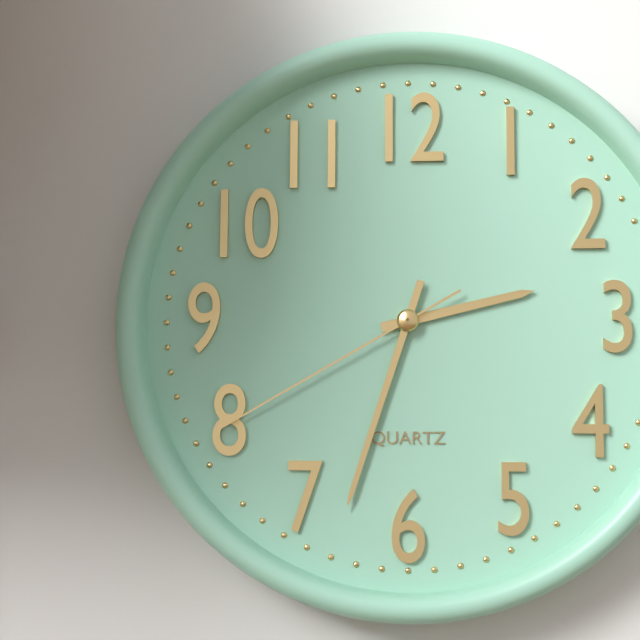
2:33:40
